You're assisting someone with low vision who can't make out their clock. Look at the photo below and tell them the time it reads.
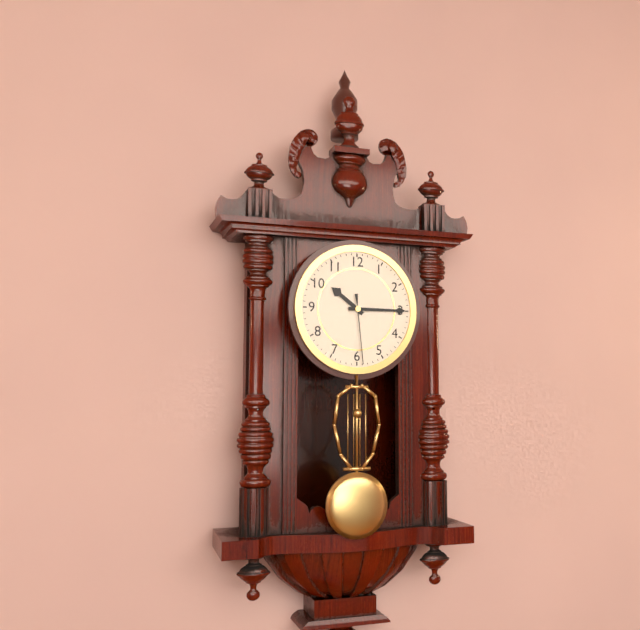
10:15:29
